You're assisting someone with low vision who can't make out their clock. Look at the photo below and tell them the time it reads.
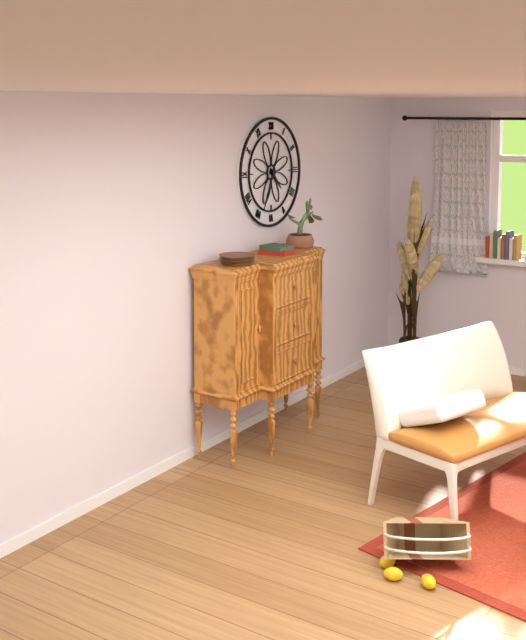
4:34
